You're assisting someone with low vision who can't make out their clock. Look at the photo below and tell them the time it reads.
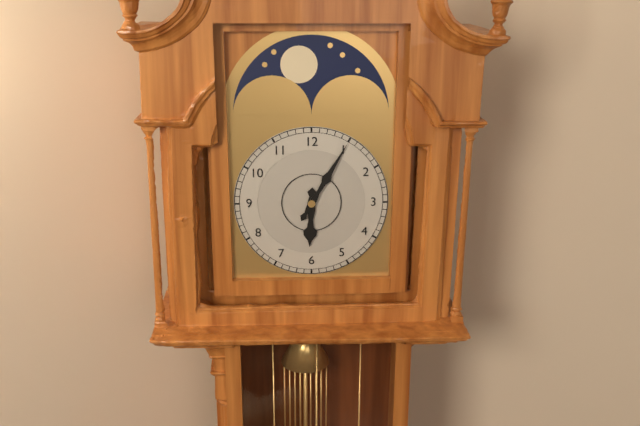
6:05
